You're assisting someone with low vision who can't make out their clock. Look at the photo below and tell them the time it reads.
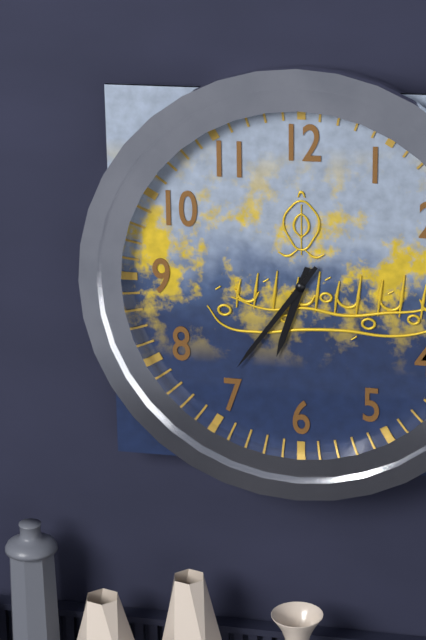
6:36
